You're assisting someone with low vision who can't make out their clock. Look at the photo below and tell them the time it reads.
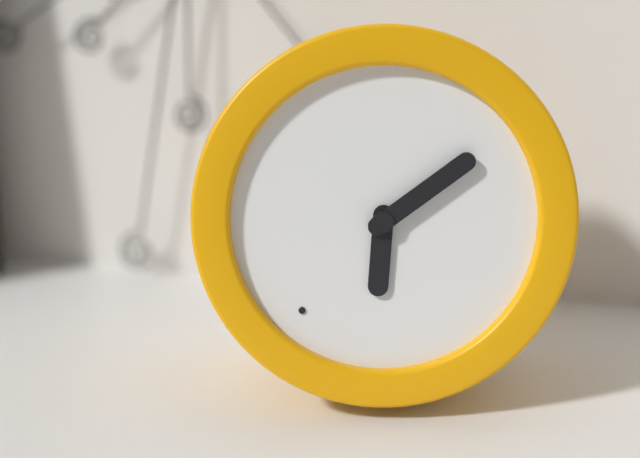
6:09
